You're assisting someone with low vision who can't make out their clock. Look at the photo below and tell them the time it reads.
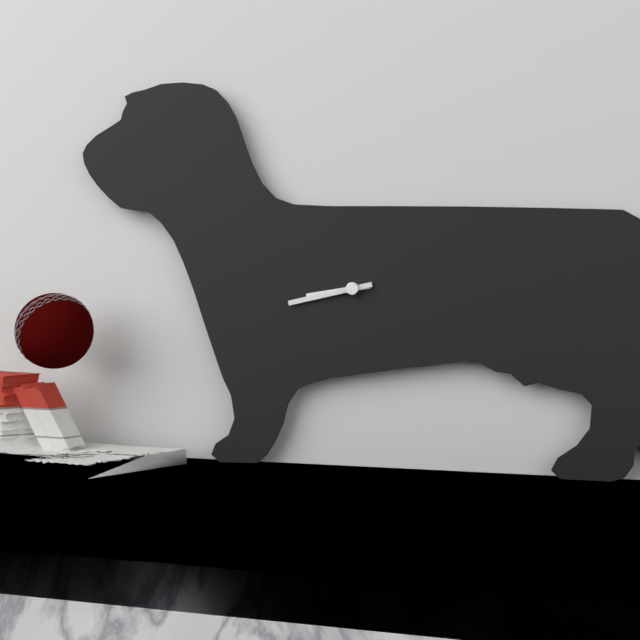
8:43
